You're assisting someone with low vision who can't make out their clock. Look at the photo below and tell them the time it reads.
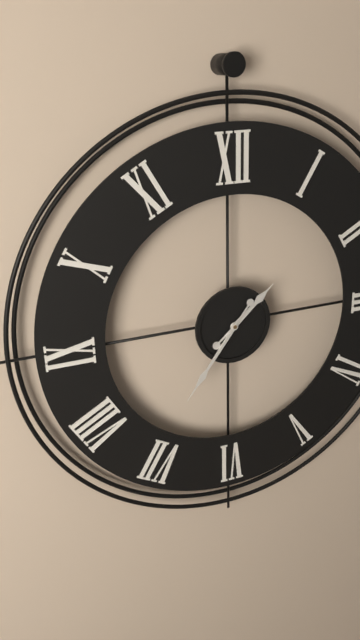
1:36
